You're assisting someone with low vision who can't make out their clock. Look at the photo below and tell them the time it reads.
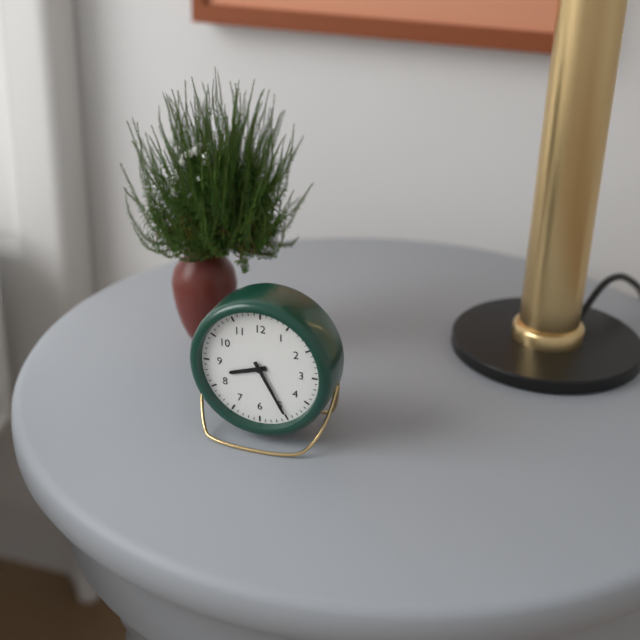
8:25
